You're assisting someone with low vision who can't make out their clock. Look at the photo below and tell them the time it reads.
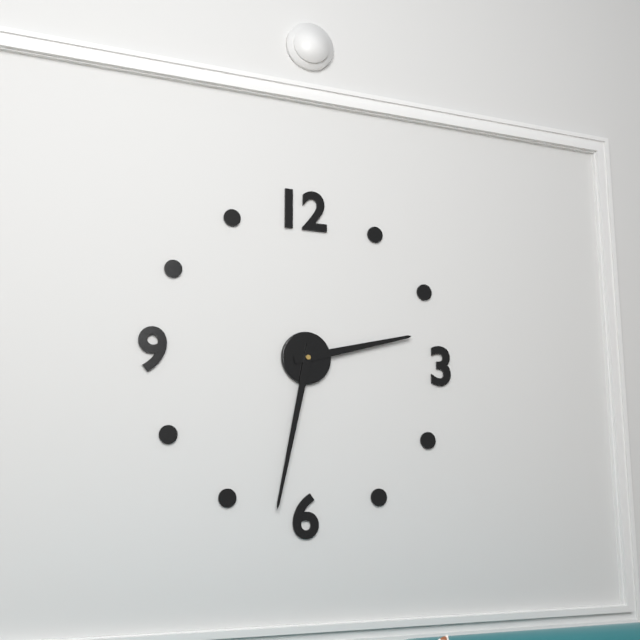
2:32
